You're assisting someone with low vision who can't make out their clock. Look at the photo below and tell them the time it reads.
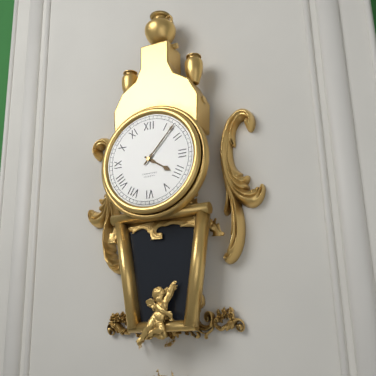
4:07
